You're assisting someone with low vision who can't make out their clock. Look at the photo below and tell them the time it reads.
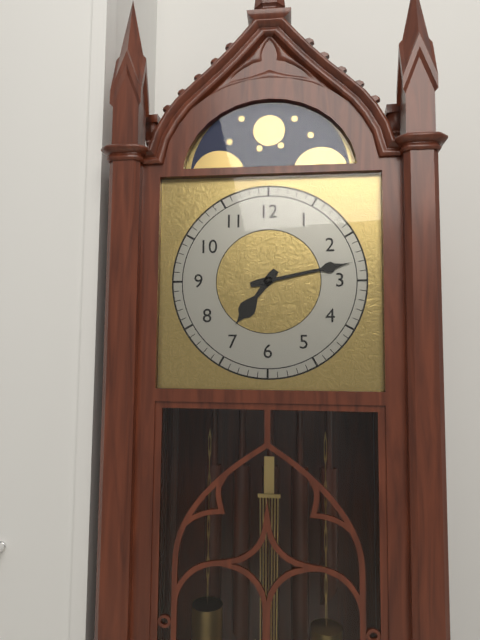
7:13
